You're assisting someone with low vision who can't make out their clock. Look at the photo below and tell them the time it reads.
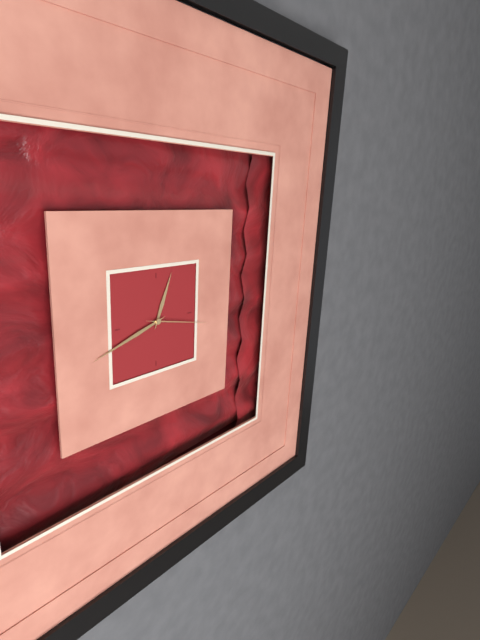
12:42:17
